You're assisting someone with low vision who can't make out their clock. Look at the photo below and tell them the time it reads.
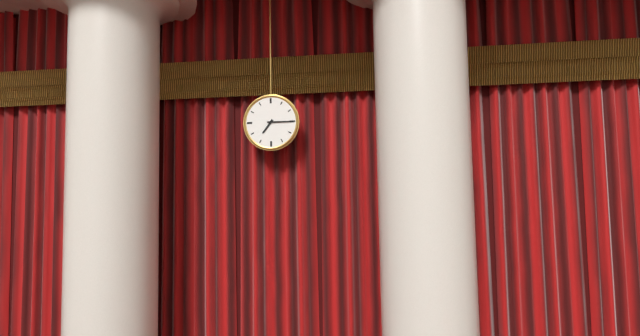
7:15
